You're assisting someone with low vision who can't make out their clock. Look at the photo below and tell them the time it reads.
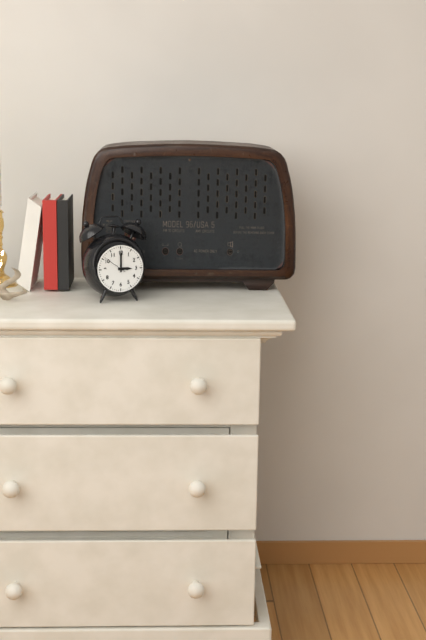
3:00
